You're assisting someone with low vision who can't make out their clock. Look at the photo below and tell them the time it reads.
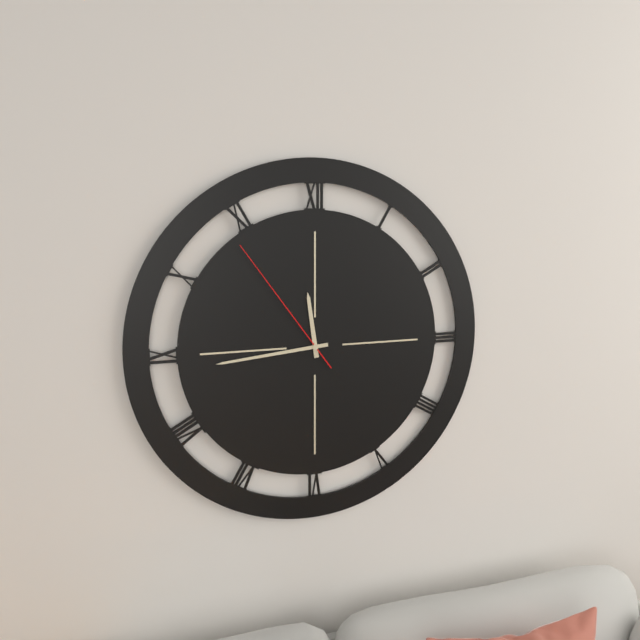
11:44:54
